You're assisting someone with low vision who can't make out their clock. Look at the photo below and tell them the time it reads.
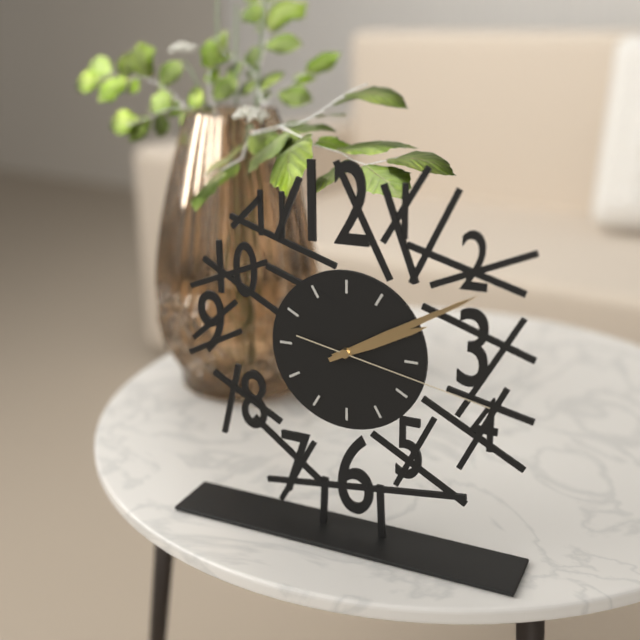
2:10:17
